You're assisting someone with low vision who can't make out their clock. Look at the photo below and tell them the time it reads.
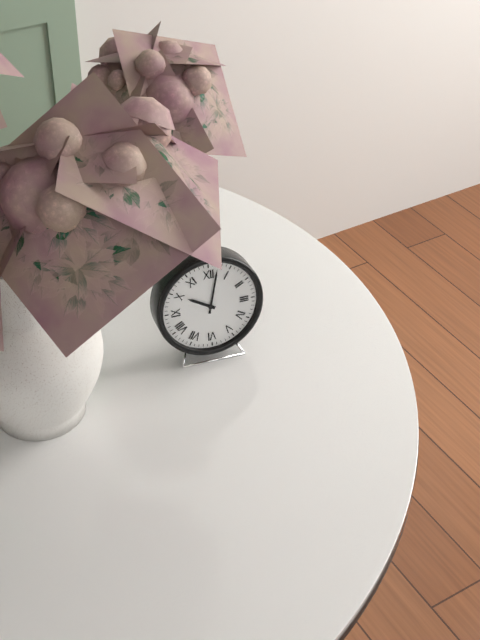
10:02
